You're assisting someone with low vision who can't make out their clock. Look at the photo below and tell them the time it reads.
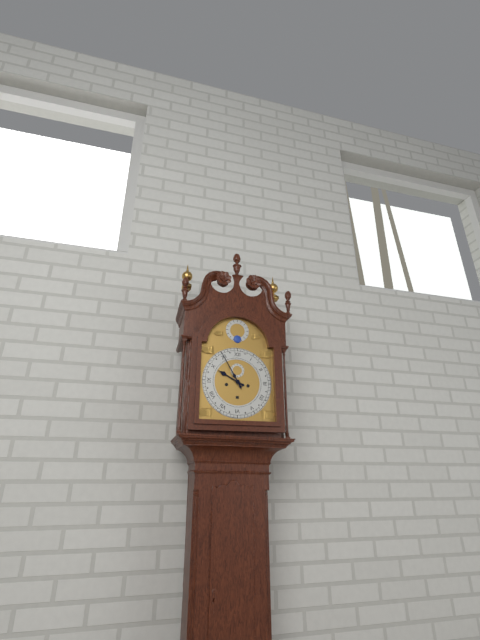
9:55
